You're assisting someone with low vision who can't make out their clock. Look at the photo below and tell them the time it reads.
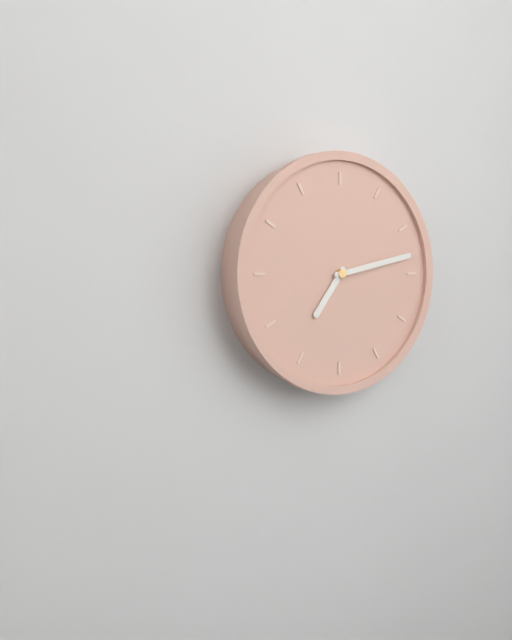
7:13
